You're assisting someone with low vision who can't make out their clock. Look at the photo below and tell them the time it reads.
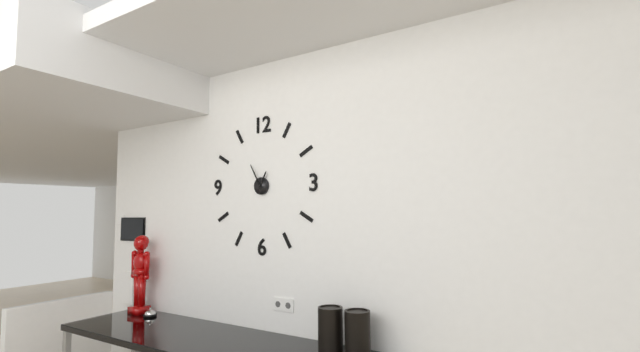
12:55
